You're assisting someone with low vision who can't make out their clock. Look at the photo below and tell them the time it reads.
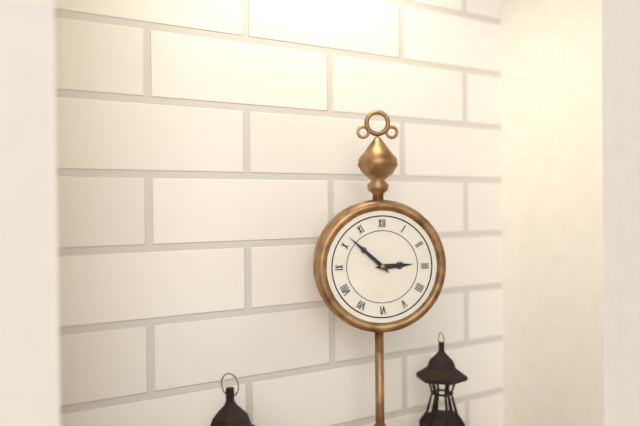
2:52
